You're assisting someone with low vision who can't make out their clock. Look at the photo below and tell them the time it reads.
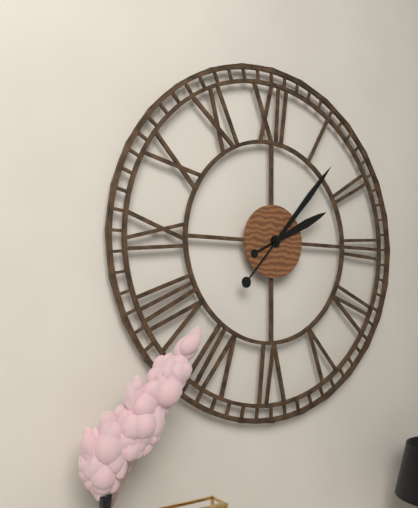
2:07
